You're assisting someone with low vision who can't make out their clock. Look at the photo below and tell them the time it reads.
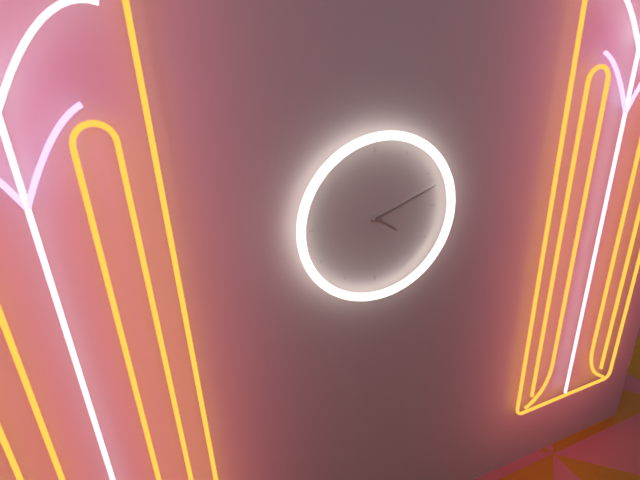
4:12
